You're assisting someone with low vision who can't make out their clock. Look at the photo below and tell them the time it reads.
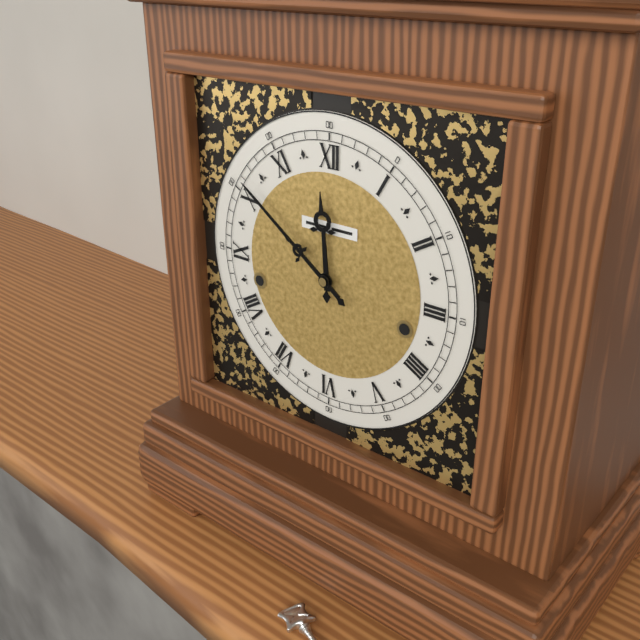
11:51
